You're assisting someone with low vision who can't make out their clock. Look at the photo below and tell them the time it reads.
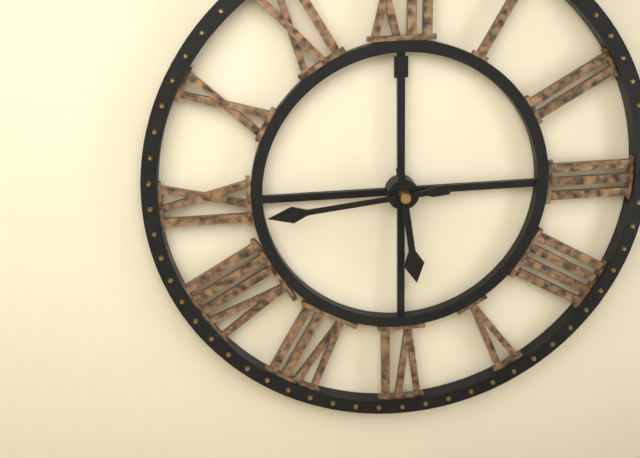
5:44
